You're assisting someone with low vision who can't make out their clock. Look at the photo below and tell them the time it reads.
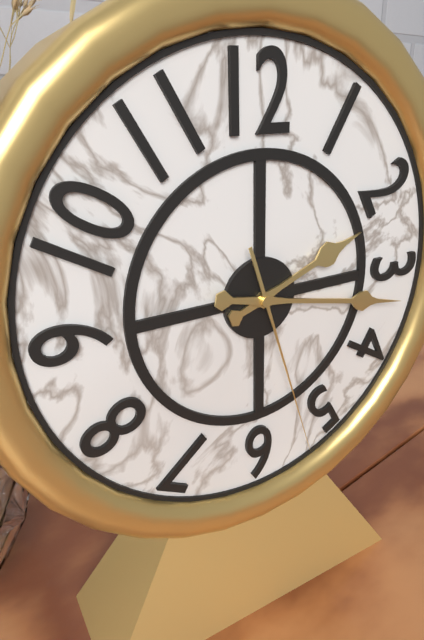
2:17:27
